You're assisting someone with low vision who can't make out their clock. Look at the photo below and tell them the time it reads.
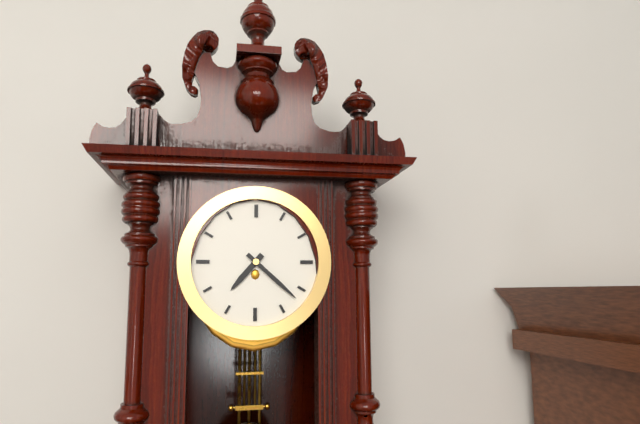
7:22
